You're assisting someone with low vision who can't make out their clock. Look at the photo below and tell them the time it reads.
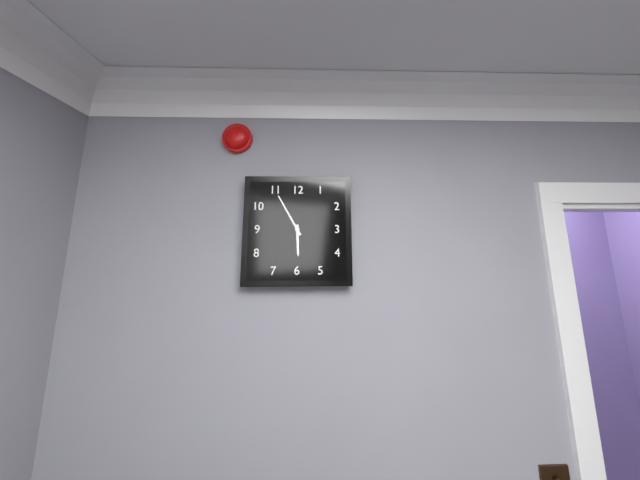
5:55
